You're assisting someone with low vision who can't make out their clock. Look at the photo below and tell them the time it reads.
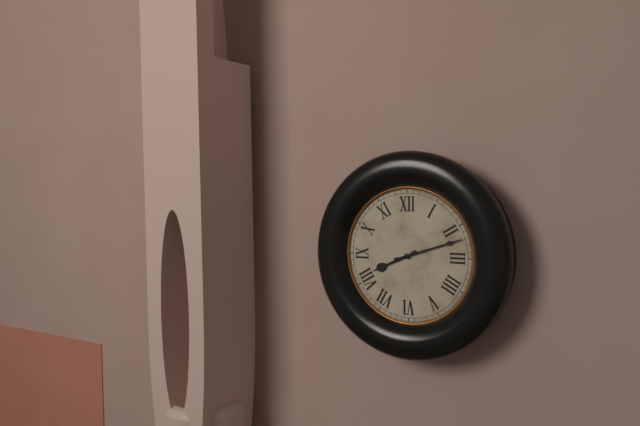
8:12
